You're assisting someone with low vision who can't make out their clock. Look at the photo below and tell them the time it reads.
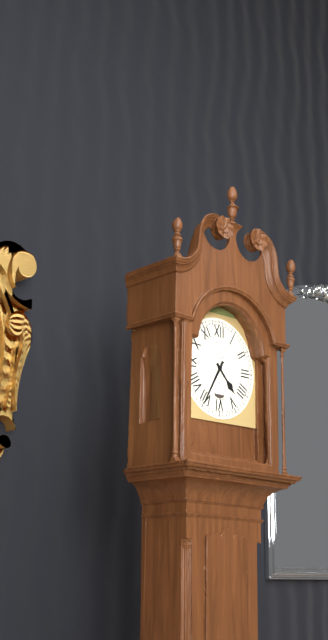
4:35
